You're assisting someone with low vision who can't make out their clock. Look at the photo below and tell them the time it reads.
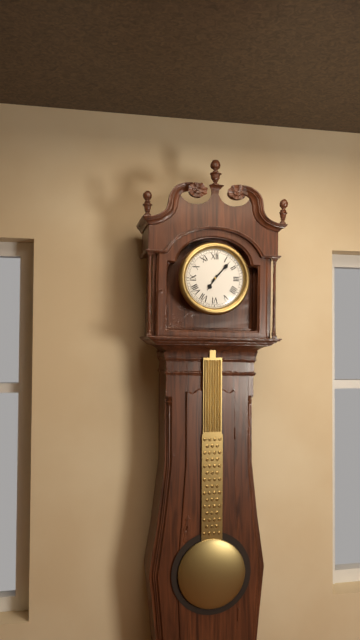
7:07
